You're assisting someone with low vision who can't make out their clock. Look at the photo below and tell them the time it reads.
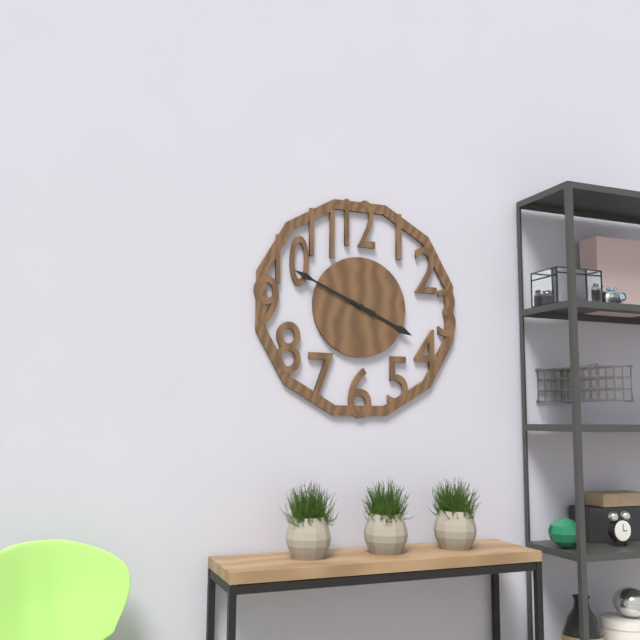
3:49
